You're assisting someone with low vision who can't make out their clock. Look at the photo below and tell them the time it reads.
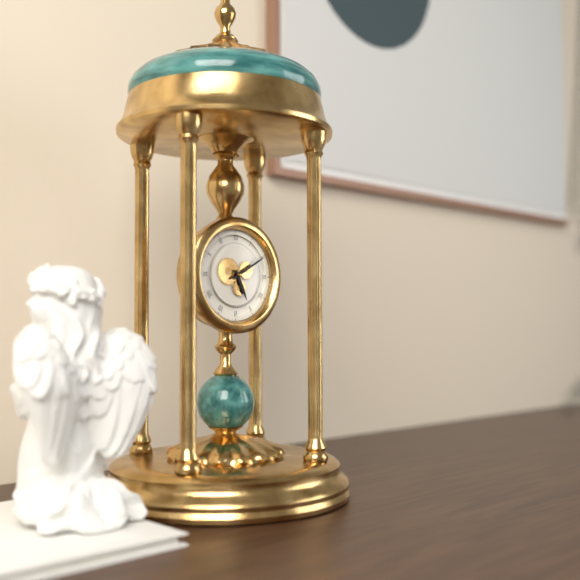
5:10
